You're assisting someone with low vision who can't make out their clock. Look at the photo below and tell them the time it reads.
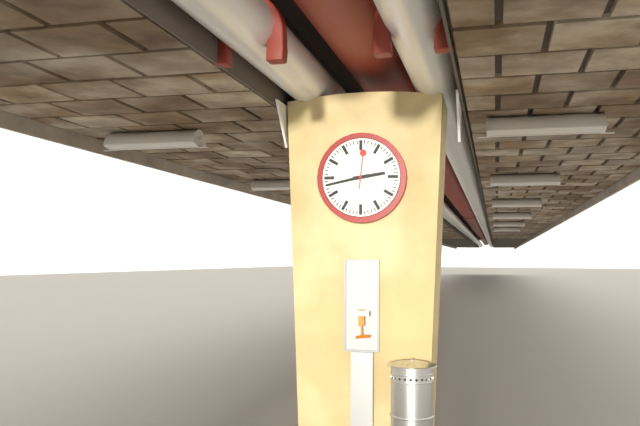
2:43
